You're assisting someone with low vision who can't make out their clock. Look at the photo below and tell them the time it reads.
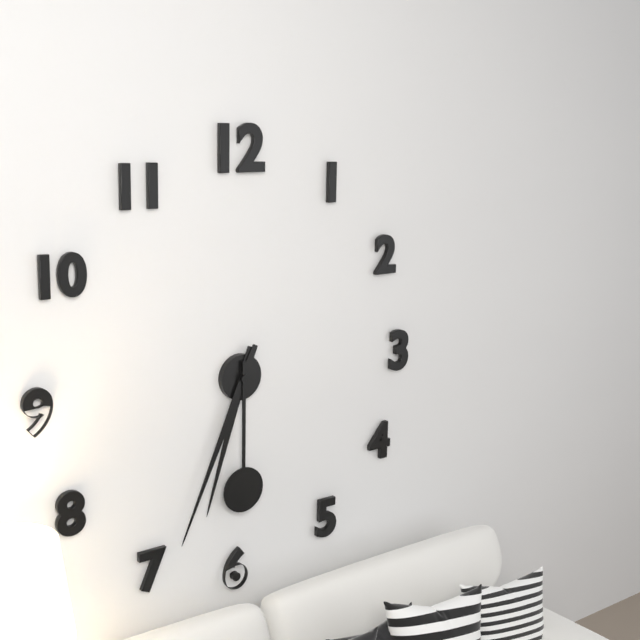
6:34:30
